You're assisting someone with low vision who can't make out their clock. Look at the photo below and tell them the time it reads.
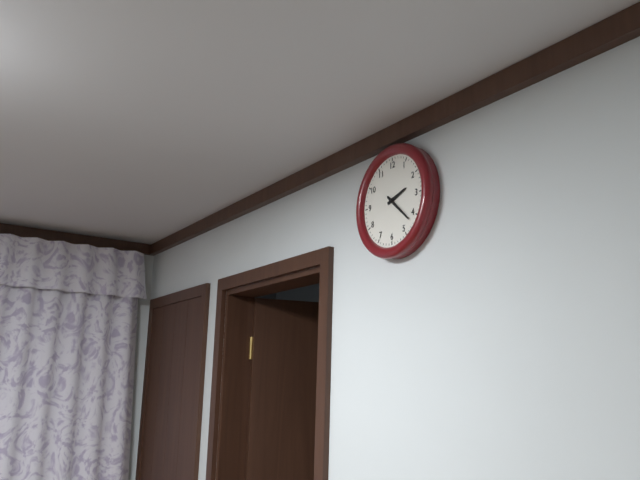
2:22
